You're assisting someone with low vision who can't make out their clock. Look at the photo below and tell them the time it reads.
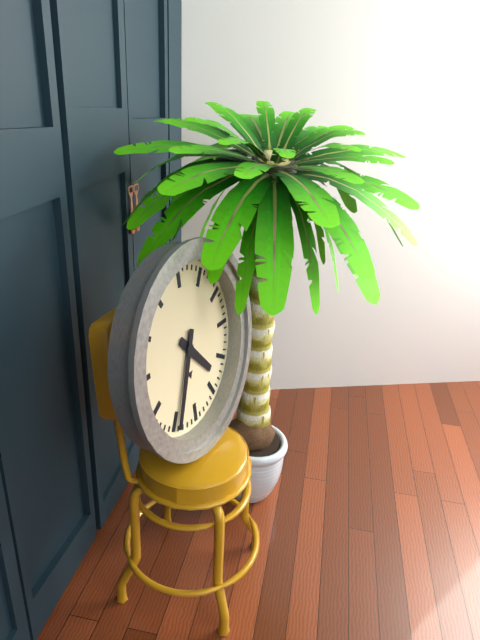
4:34
